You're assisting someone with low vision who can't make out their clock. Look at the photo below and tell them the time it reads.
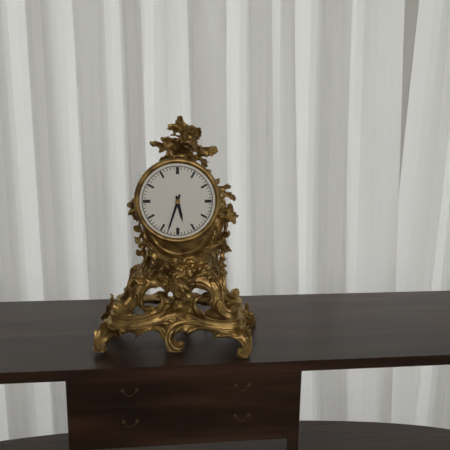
5:33
